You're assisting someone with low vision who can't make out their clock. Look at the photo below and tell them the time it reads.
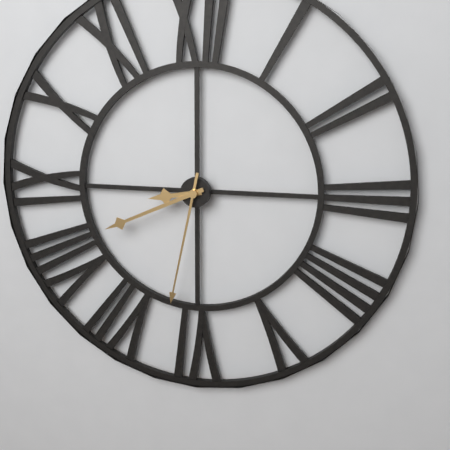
8:41:32
